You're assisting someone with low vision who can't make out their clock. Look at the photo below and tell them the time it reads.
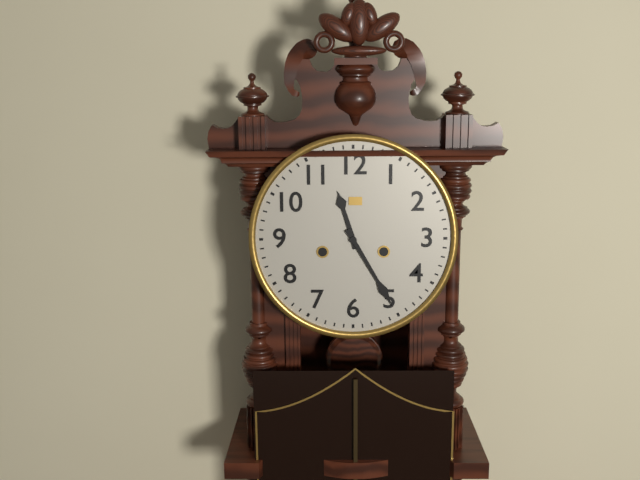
11:25
